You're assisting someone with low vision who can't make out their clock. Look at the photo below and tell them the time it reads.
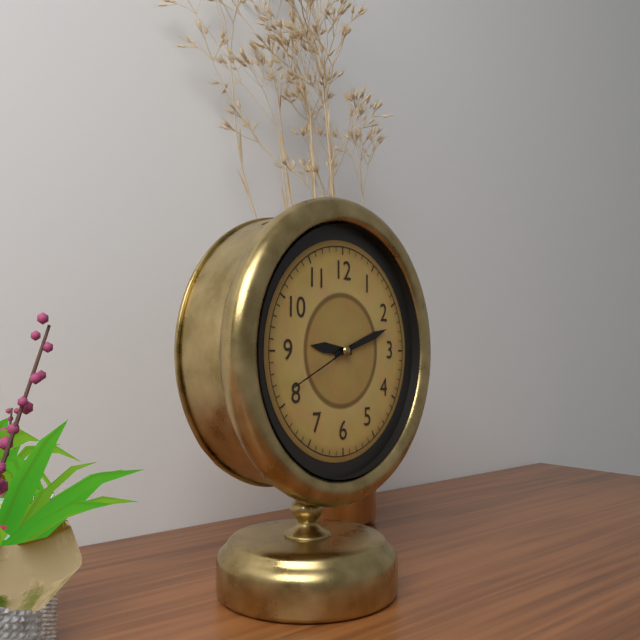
9:12:41
